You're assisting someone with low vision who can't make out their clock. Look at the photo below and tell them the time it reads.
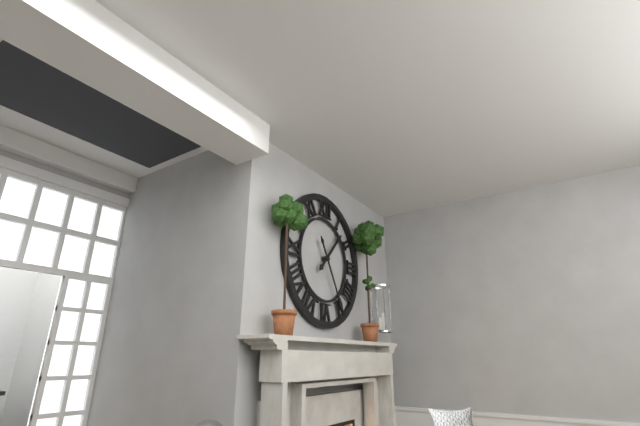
1:25
